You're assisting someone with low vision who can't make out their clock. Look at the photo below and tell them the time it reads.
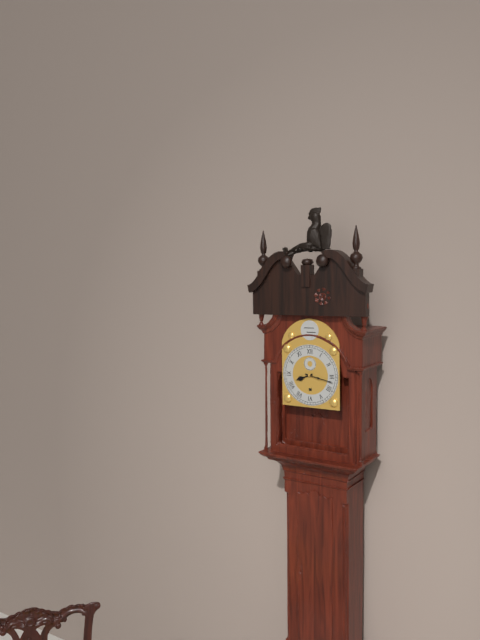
8:17
